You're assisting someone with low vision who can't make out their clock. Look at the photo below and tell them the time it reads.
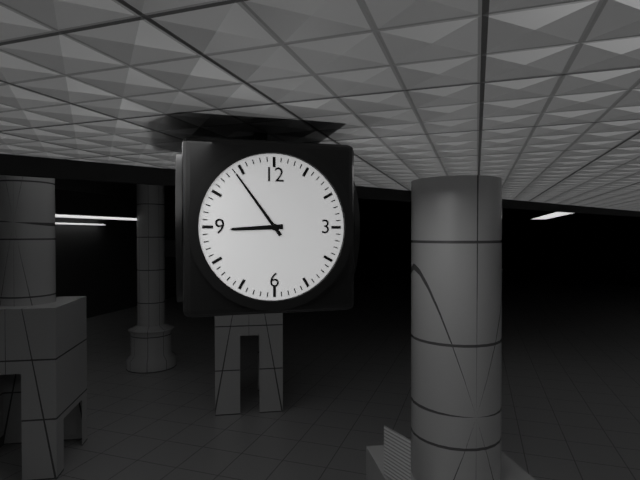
8:54
